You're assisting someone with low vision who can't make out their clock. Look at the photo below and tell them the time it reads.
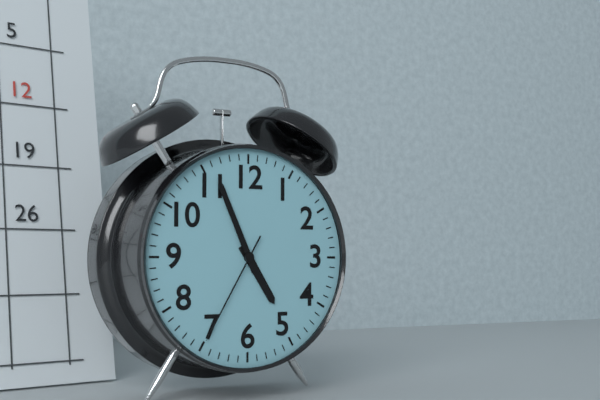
4:56:35
